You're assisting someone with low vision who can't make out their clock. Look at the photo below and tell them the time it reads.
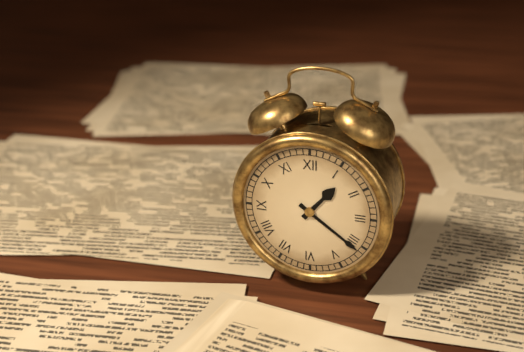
1:21
